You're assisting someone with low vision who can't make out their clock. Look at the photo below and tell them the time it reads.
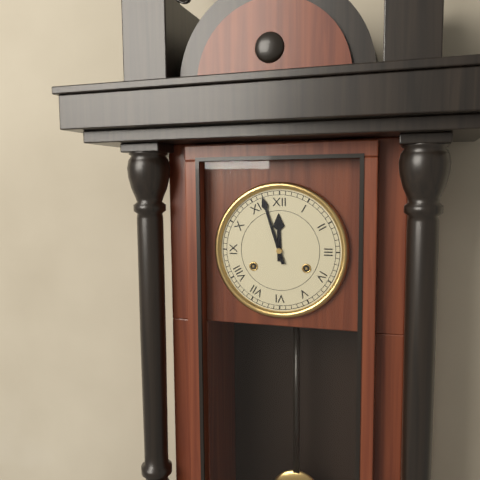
11:57
